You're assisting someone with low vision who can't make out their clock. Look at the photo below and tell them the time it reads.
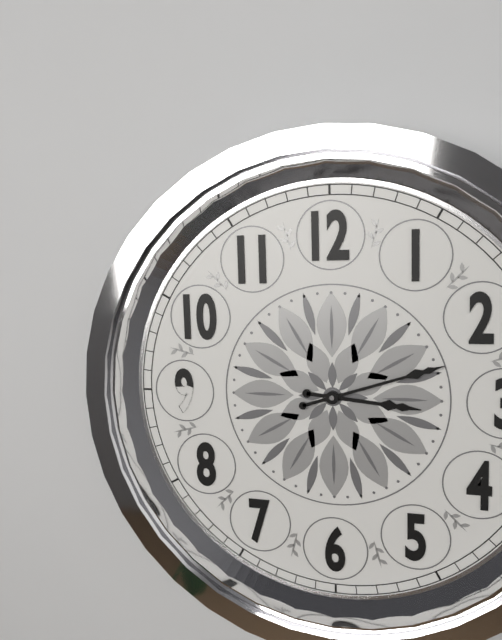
3:12
